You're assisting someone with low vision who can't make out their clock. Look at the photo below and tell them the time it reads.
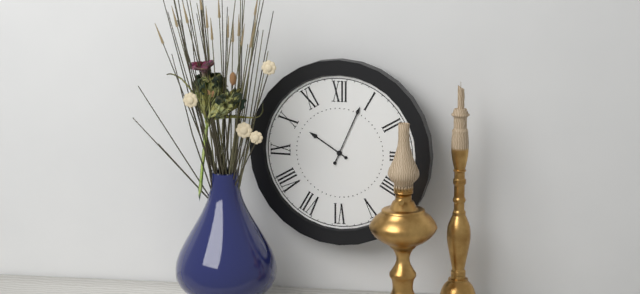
10:04
